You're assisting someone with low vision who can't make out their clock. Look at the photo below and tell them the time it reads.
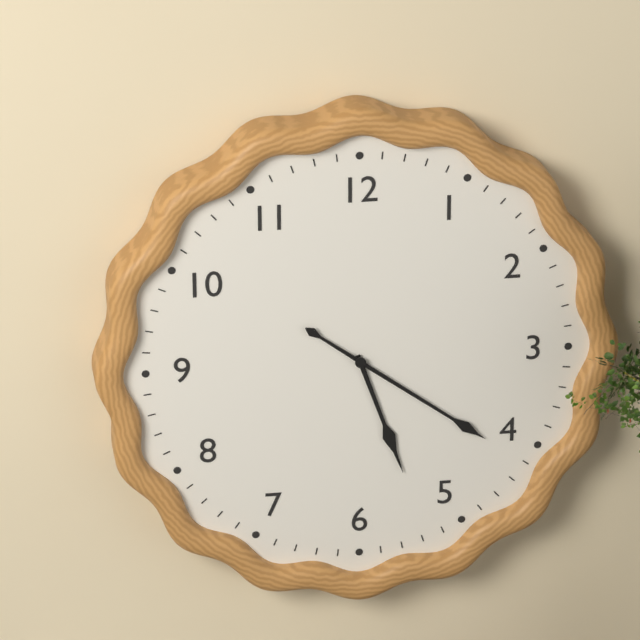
5:21
